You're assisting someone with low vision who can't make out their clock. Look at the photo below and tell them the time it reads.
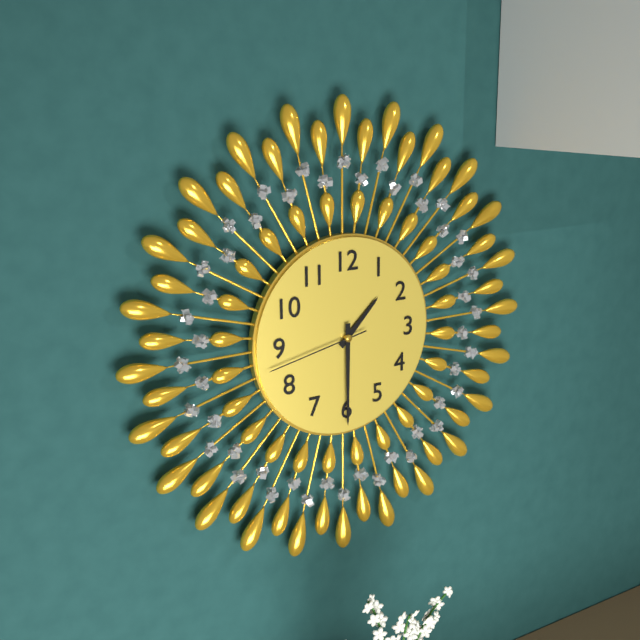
1:30:43
